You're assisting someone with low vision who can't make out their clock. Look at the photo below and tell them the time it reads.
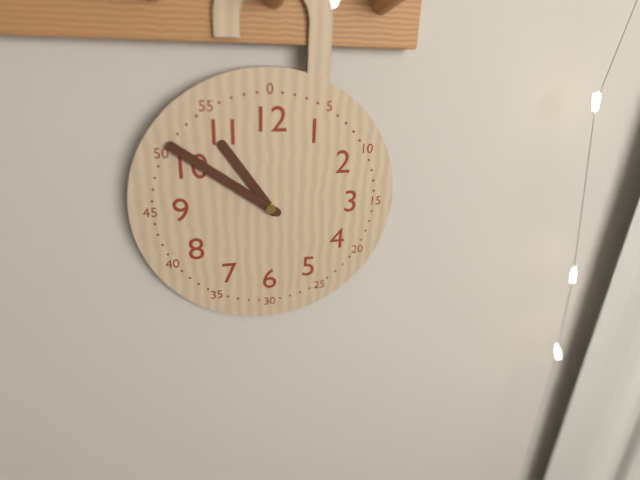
10:51
